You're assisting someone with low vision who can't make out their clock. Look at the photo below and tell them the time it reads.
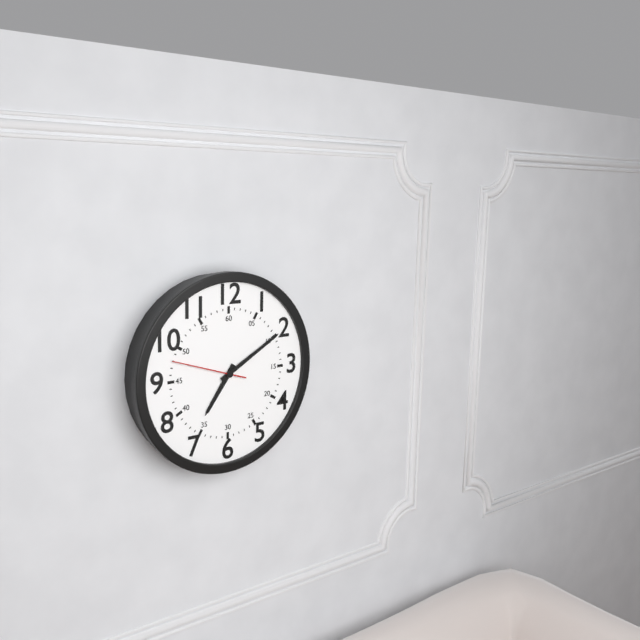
7:10:48
